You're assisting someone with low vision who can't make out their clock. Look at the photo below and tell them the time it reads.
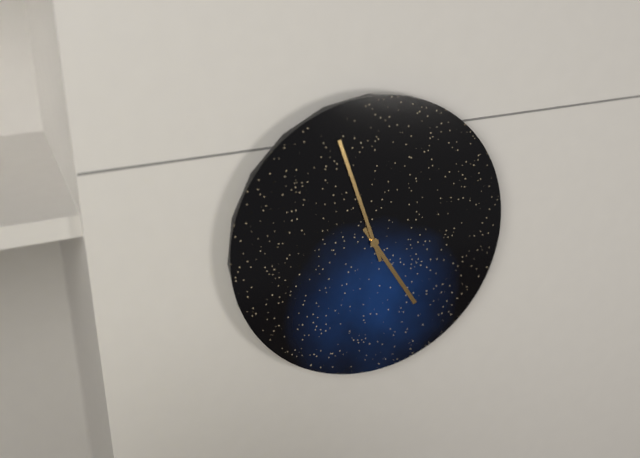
4:57
